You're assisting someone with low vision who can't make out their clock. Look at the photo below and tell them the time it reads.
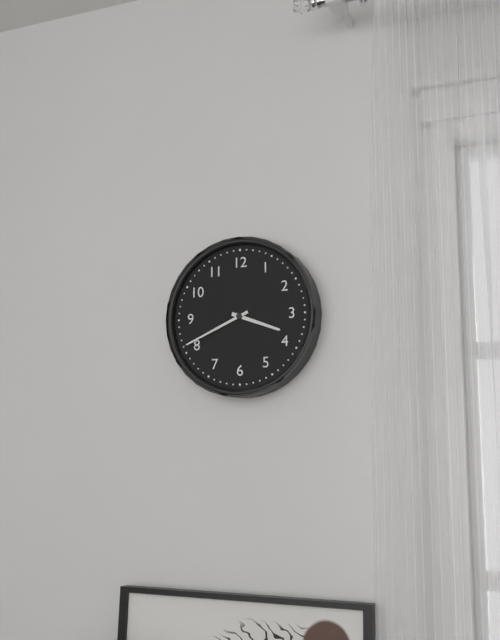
3:41
